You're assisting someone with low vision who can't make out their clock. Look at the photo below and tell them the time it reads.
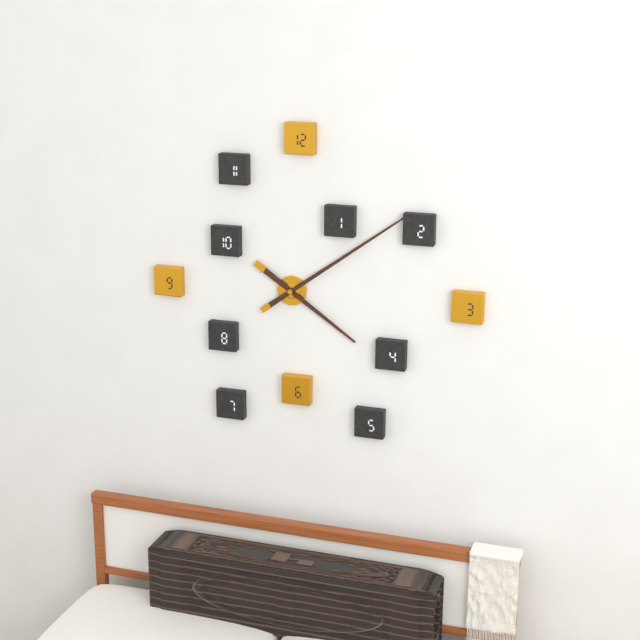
4:09
